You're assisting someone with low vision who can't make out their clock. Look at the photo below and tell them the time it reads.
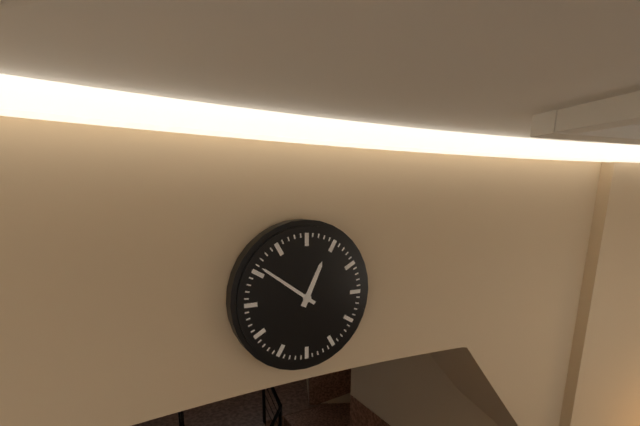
12:51
